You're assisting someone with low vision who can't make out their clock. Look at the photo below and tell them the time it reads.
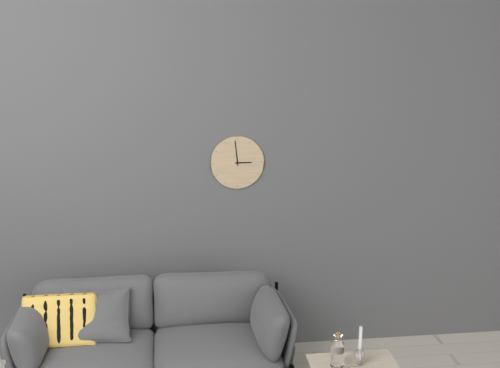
2:59
